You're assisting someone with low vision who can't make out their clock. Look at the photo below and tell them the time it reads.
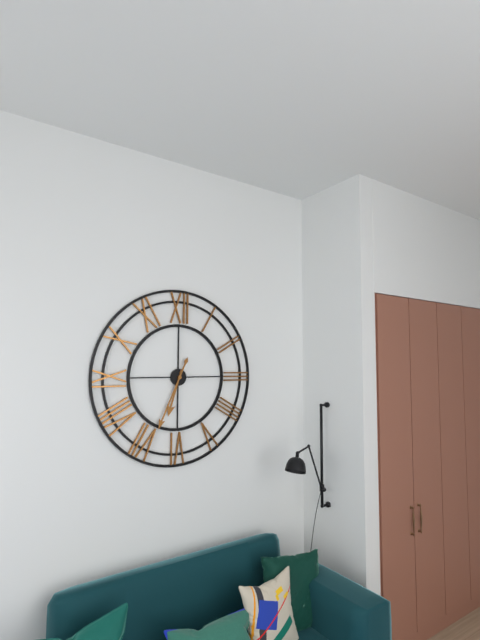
6:34
